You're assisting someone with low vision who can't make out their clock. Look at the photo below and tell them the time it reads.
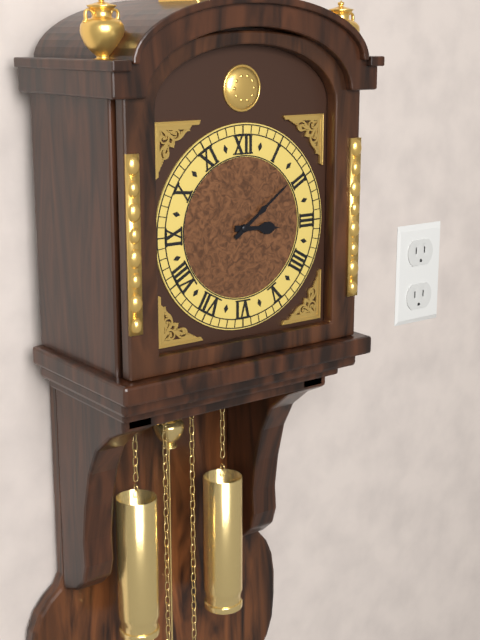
3:09
